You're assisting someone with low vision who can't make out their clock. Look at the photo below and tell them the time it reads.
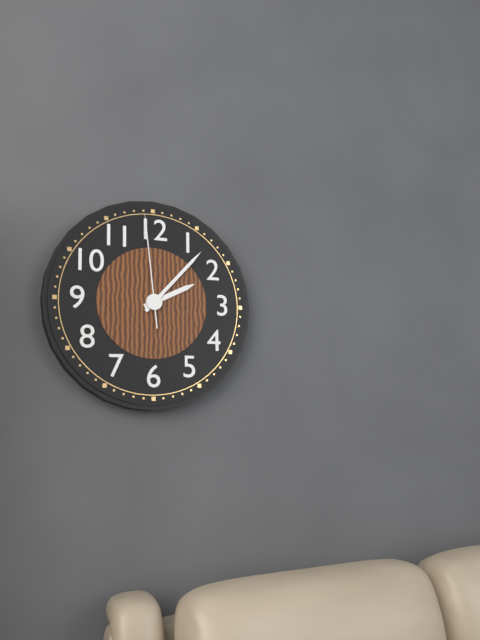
2:07:59
